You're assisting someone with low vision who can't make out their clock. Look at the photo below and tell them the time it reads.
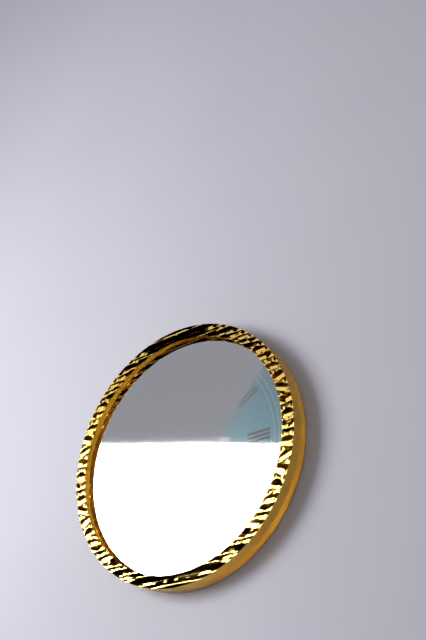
6:35:34
